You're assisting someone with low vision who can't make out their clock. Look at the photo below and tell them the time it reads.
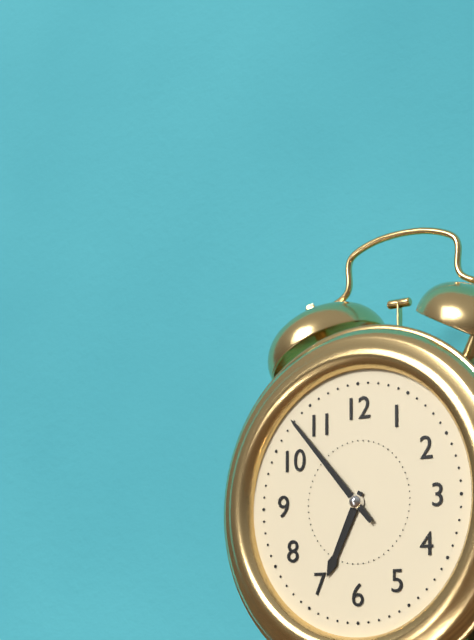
6:53
